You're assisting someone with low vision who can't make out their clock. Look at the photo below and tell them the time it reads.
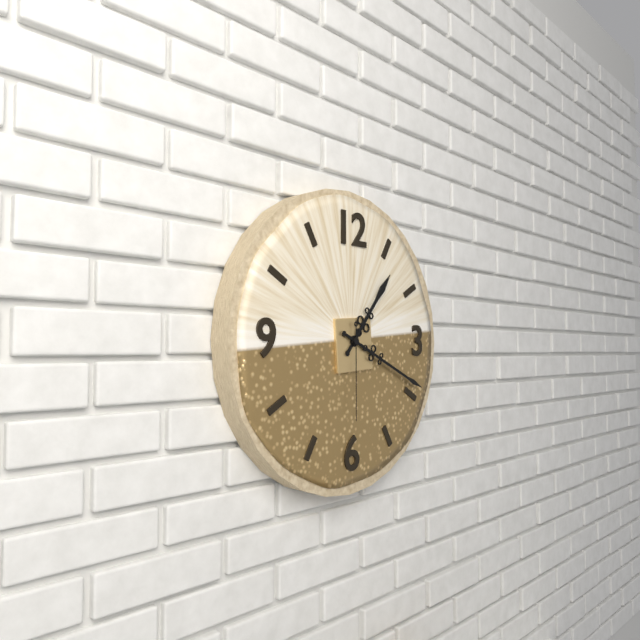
1:19:30
